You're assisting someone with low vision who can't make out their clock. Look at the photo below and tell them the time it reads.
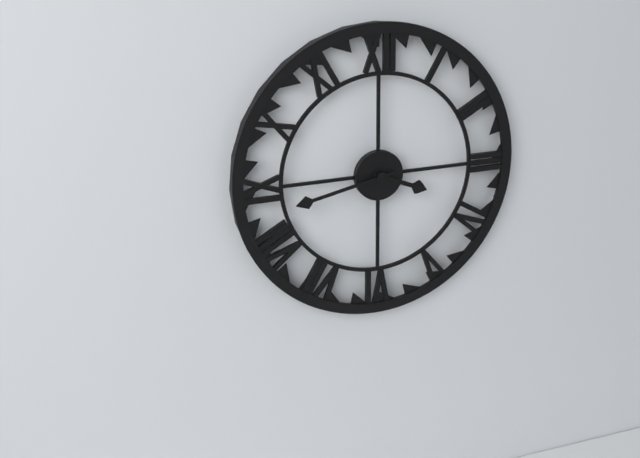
3:43
